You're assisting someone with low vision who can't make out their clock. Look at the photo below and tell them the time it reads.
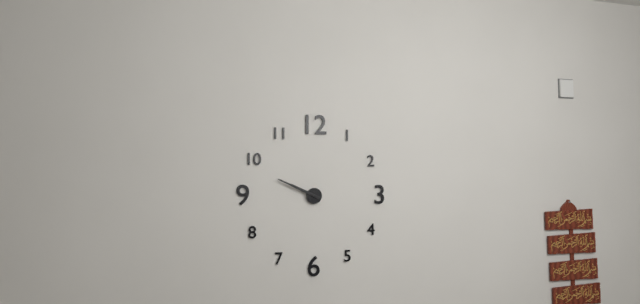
9:49
